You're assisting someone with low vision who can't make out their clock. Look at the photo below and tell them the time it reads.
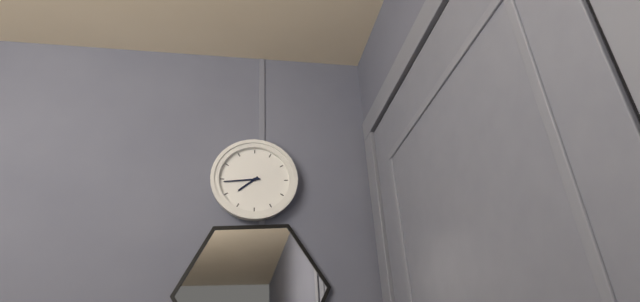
7:44
